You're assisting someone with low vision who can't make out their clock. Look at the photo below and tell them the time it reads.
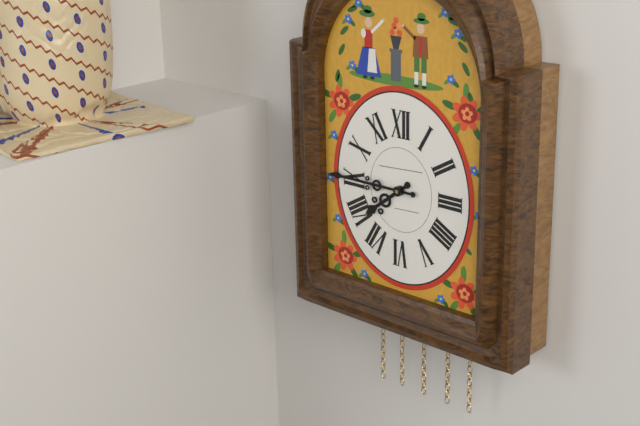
7:45
